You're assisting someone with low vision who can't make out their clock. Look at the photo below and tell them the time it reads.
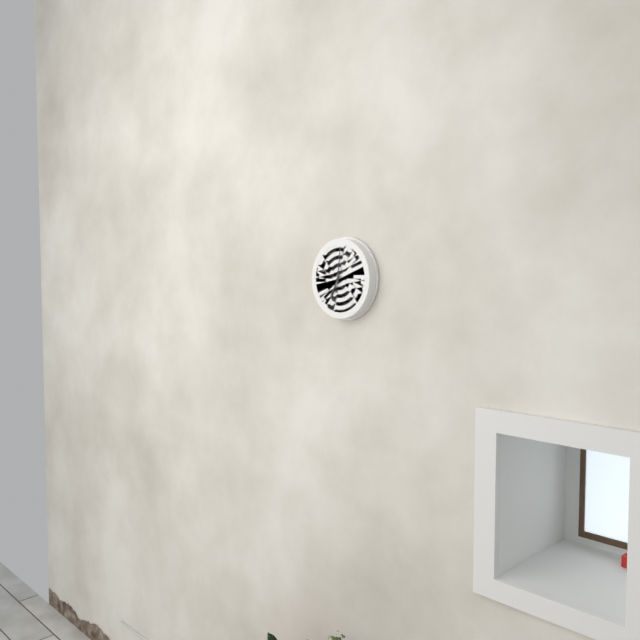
7:01
